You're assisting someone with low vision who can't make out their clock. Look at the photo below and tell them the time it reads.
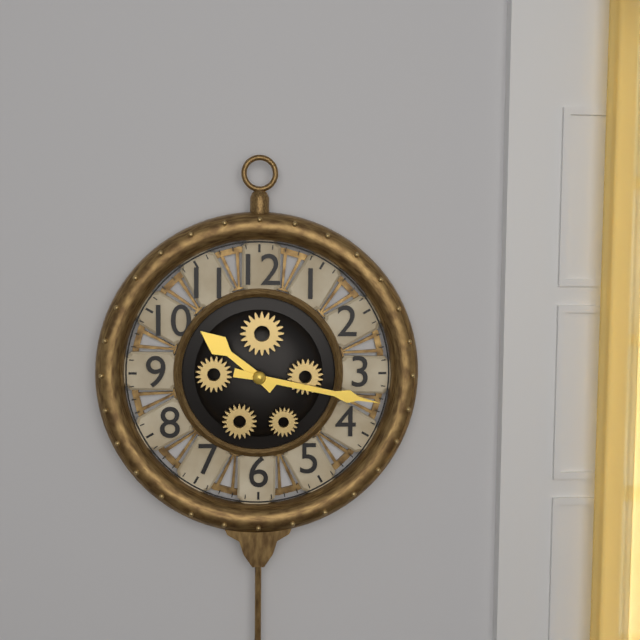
10:17
